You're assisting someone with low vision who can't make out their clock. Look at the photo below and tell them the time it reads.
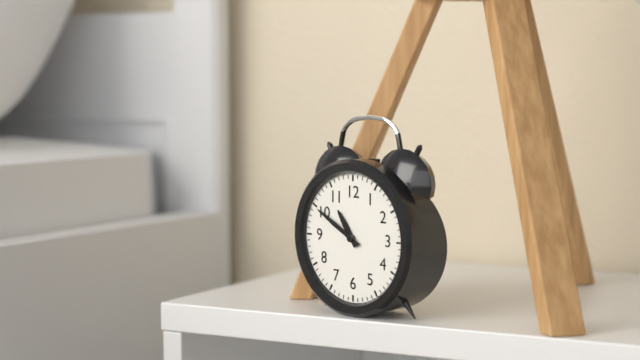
10:50
